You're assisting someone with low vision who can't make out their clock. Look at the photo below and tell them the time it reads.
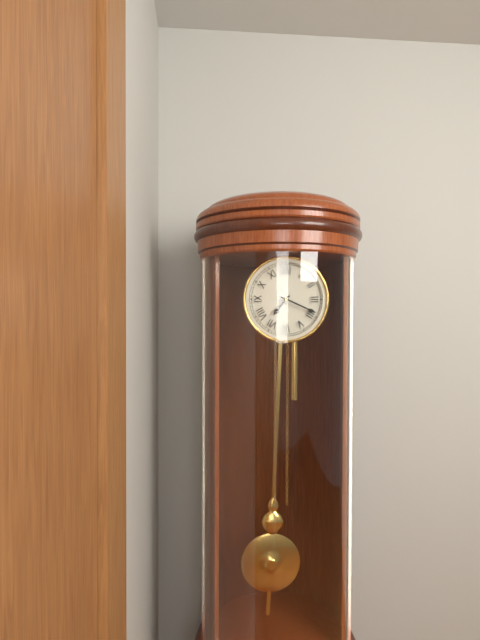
7:19
